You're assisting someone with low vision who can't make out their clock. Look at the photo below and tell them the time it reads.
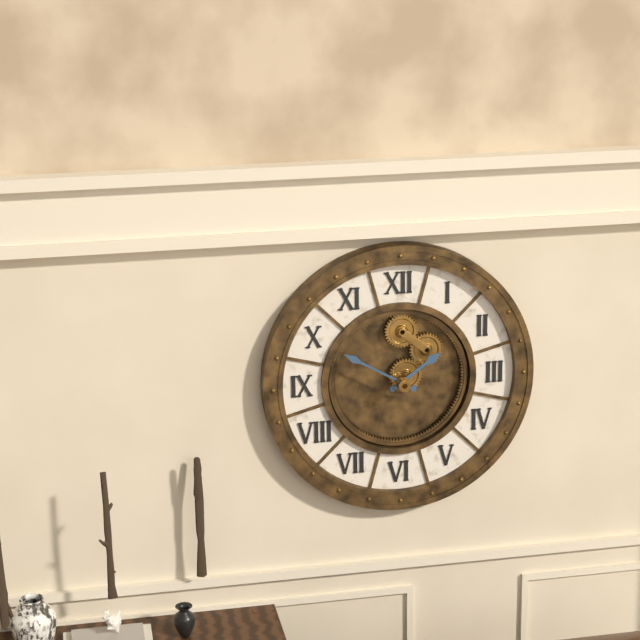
1:50
